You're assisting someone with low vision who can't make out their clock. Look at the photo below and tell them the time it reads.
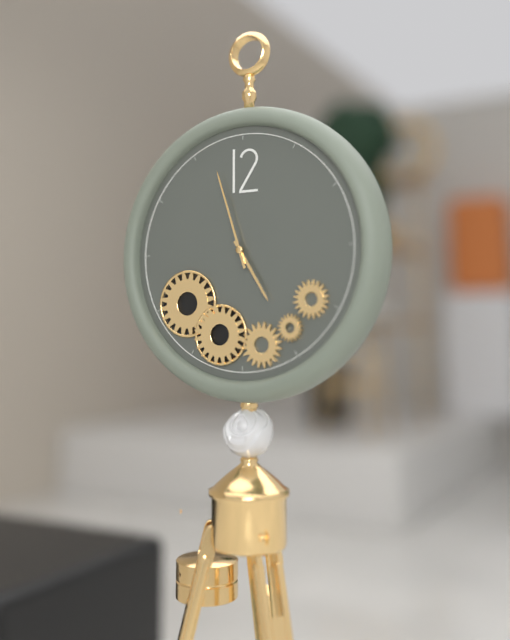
4:57
